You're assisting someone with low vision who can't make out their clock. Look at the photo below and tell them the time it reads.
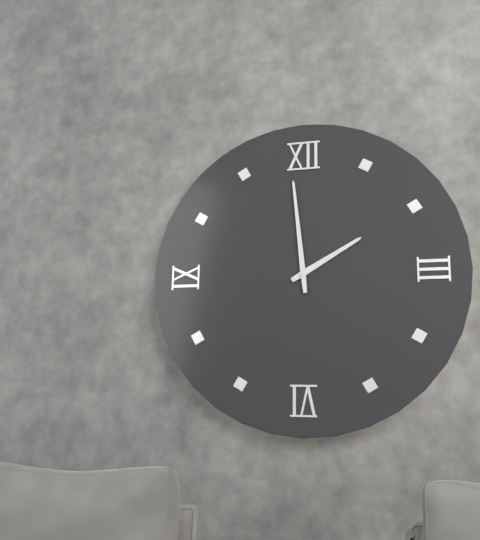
1:59
